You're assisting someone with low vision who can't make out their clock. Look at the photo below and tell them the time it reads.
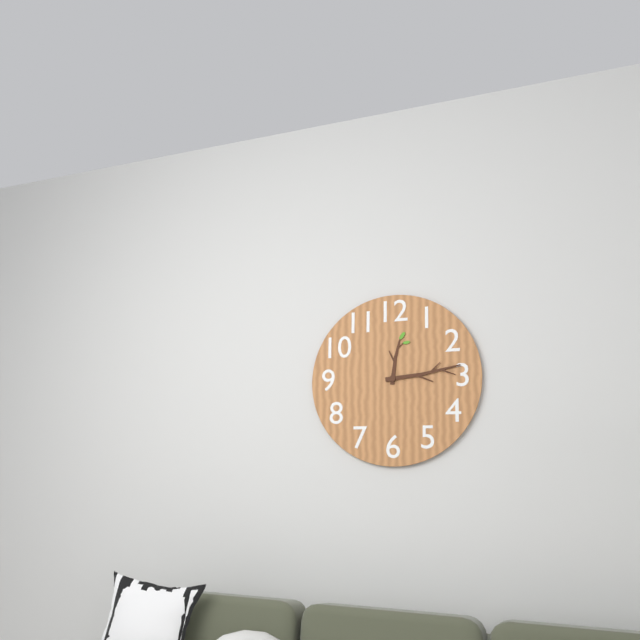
12:14
